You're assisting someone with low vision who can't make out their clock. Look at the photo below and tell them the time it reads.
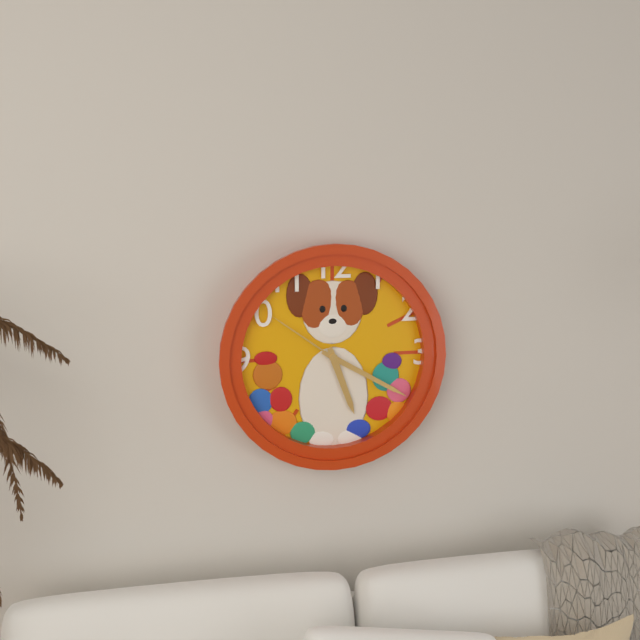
5:20:51
